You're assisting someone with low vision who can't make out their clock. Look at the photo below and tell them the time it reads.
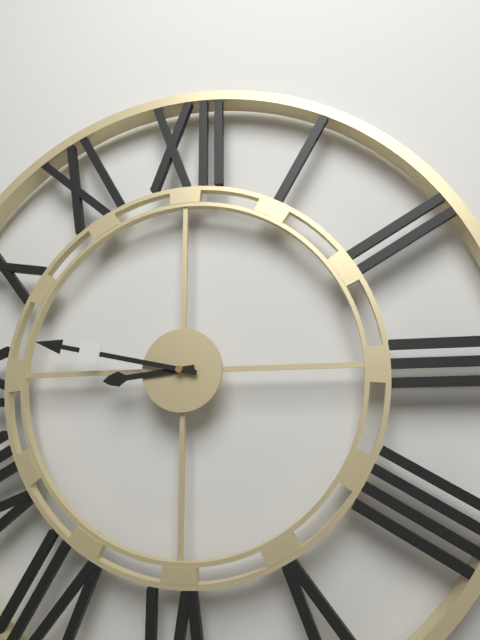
8:47
